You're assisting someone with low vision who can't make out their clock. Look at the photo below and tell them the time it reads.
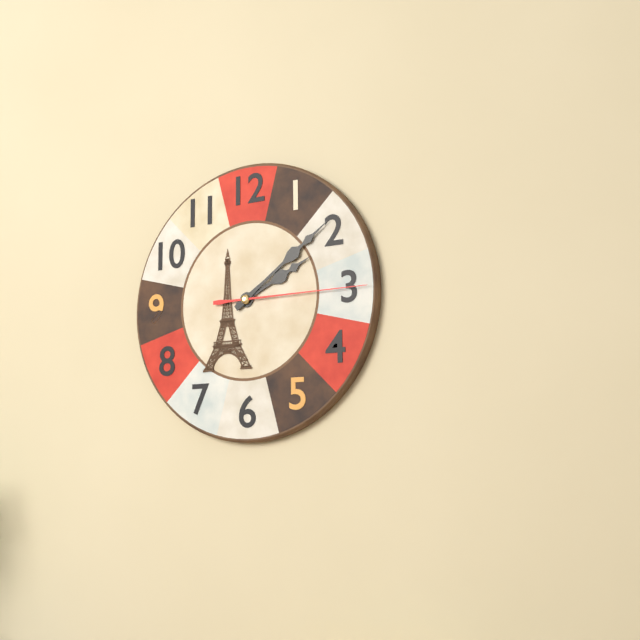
2:09:15
